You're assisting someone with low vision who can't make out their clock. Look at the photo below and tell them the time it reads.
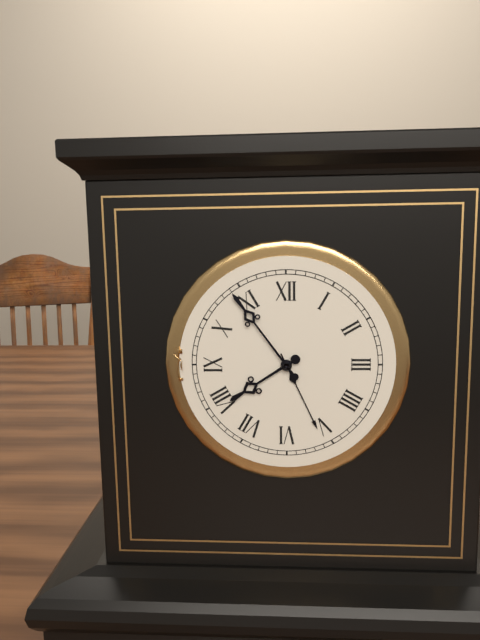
7:54
